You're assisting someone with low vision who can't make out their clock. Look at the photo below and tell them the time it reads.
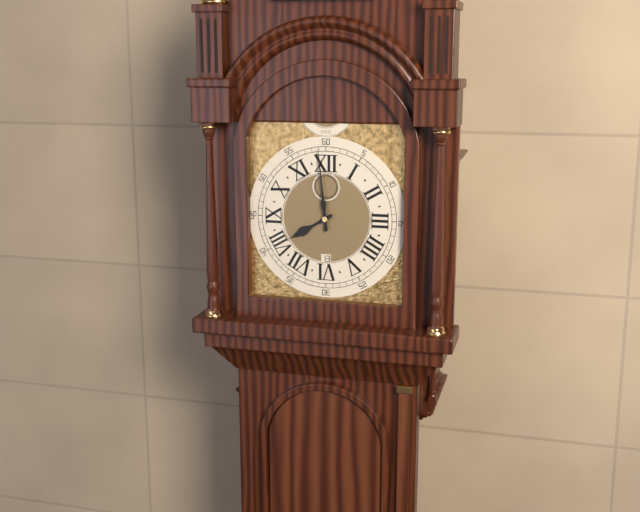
7:59
